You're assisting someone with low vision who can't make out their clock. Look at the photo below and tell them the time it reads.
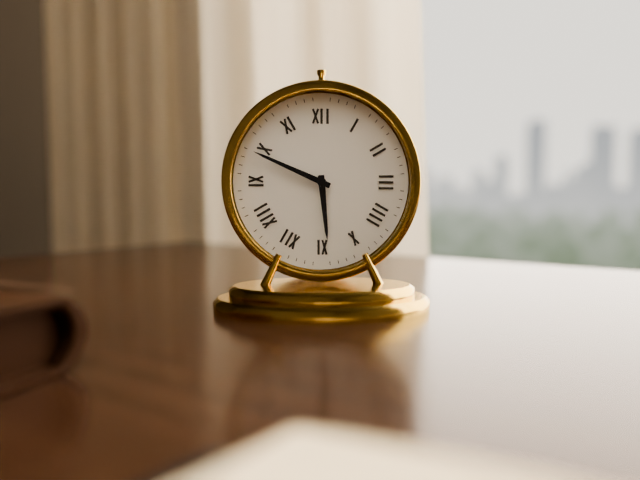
5:49
